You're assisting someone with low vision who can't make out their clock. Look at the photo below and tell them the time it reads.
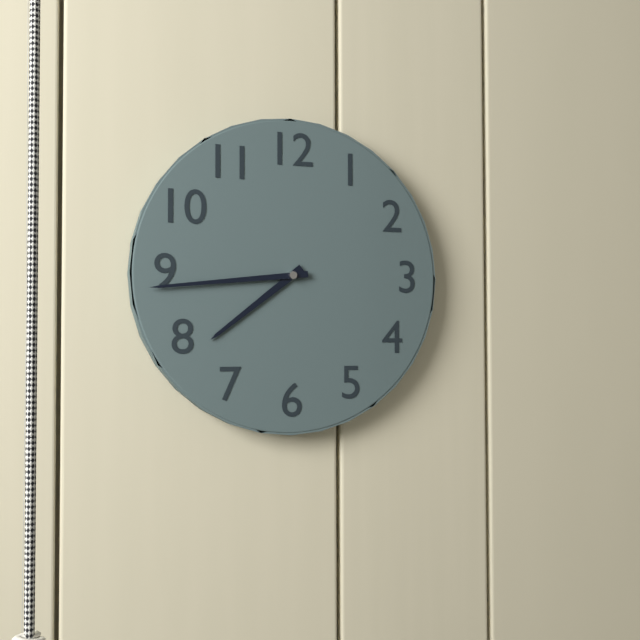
7:44
